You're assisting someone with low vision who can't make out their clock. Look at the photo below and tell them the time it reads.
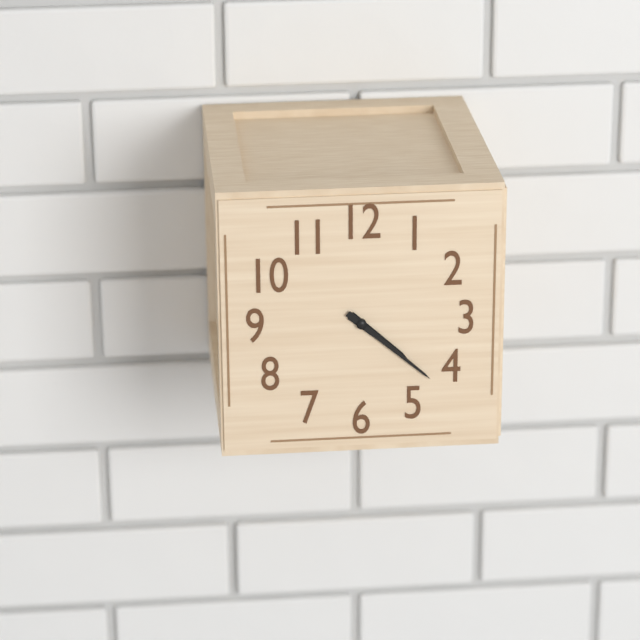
4:22
